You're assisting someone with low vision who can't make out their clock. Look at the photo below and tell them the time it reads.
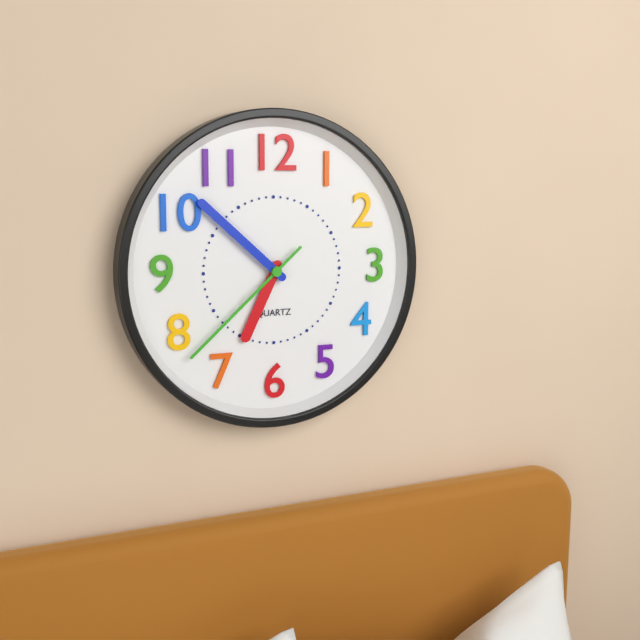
6:52:38
